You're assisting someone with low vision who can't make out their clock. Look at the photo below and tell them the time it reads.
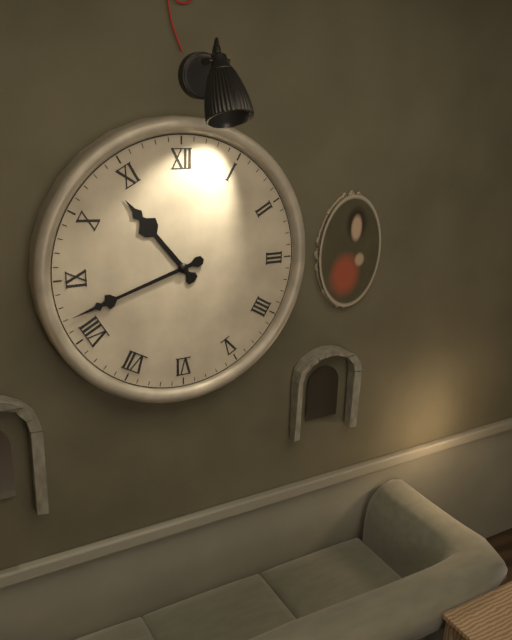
10:42
